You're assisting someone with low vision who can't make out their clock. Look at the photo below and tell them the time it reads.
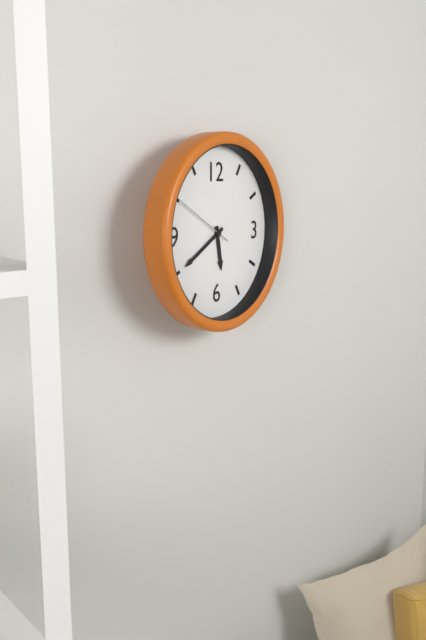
5:40:50
